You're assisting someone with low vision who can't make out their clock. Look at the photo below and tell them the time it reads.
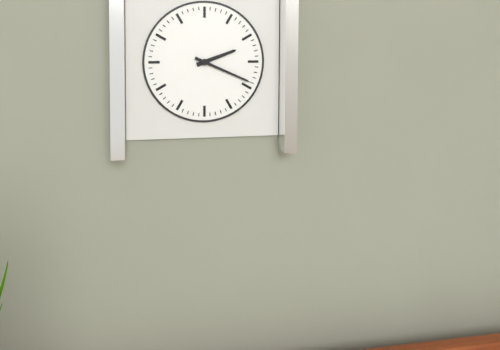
2:19
